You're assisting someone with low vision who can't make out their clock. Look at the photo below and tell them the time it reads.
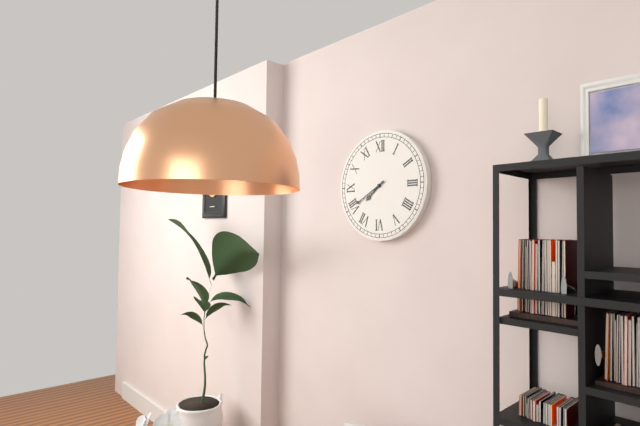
7:40
